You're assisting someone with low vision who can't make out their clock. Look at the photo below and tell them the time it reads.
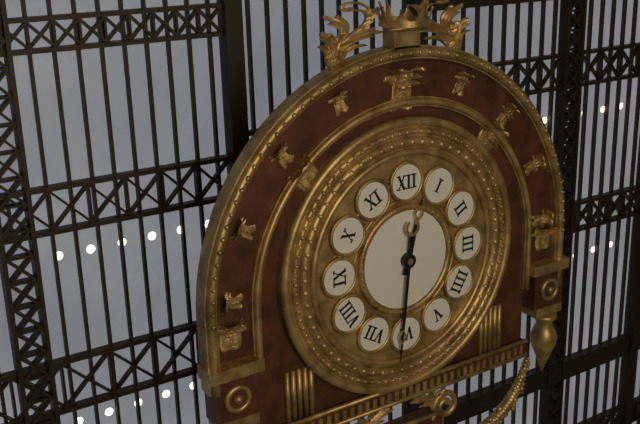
12:31
